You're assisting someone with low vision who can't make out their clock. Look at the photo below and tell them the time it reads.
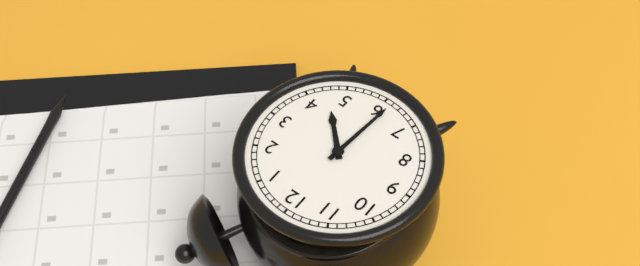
4:31
